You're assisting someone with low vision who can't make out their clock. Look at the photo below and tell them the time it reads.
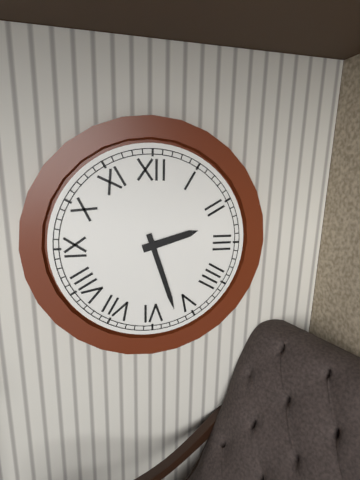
2:27
